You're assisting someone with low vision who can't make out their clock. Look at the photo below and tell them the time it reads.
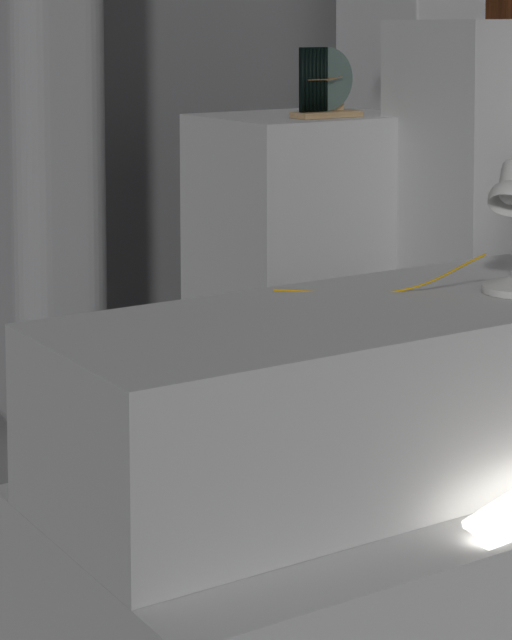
2:45
